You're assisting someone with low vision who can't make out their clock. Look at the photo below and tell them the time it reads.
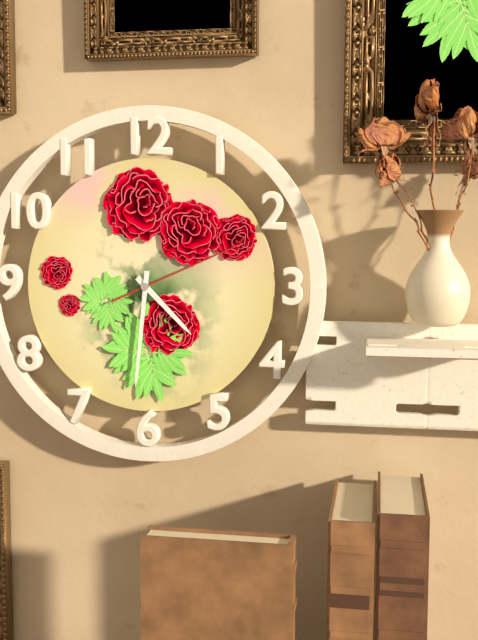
4:31:11
